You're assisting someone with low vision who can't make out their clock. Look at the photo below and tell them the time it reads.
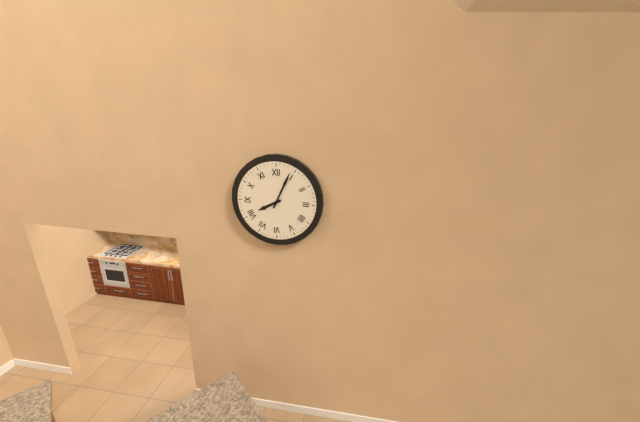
8:04
